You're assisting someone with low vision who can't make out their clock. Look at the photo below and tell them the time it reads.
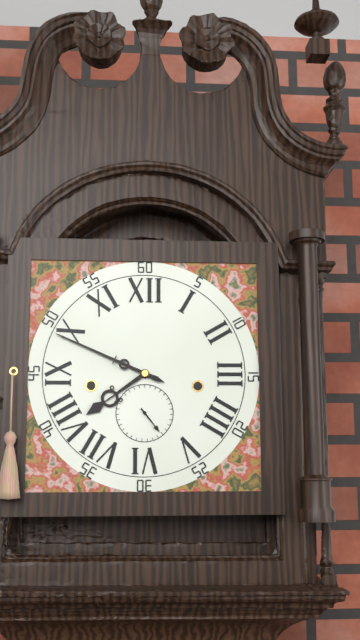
7:49
